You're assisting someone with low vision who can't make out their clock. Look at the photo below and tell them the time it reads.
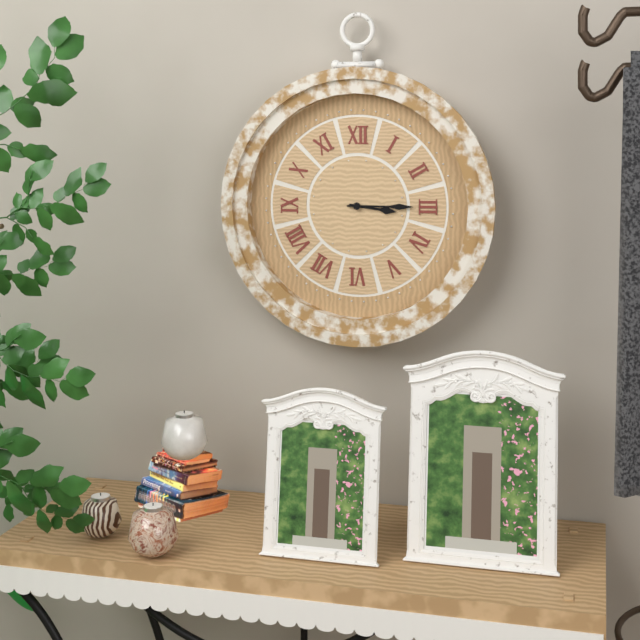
3:15
